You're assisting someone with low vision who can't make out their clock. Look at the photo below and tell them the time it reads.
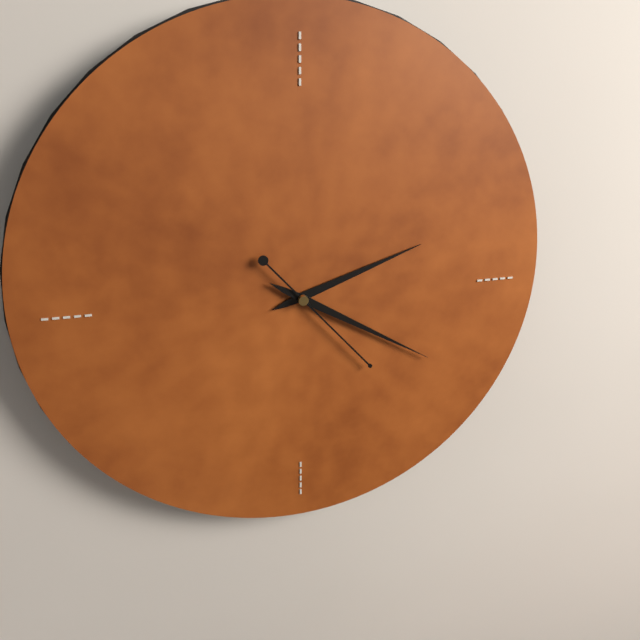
2:20:23
